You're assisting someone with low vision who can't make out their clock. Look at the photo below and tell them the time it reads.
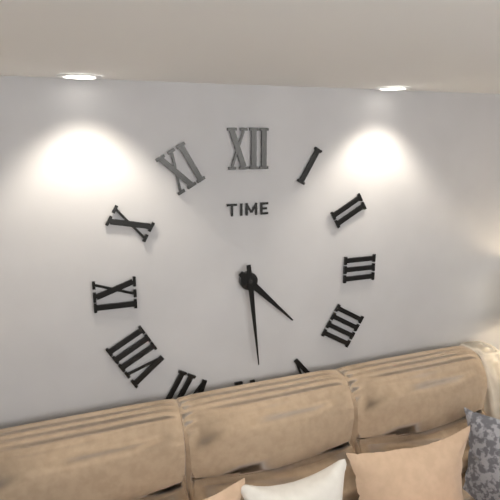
4:29
